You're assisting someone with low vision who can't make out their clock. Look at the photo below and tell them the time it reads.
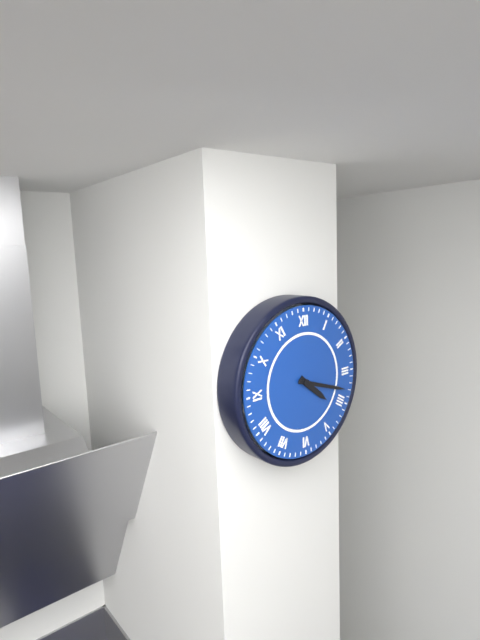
4:18
